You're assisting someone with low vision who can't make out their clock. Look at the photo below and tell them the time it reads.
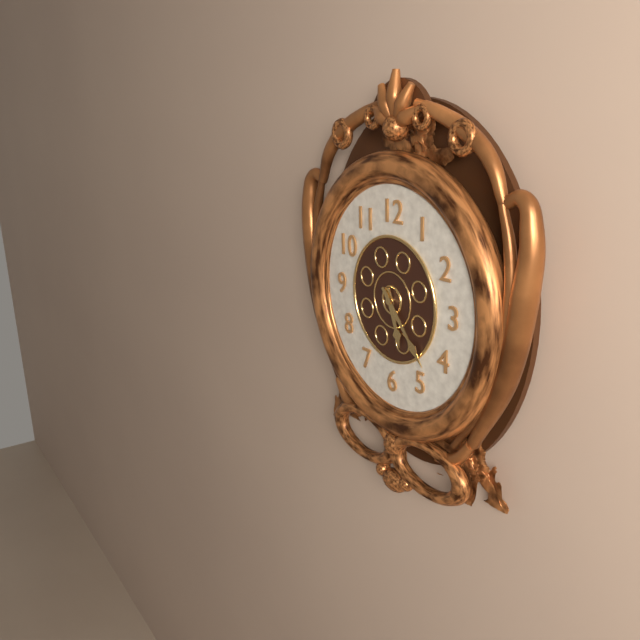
5:23
